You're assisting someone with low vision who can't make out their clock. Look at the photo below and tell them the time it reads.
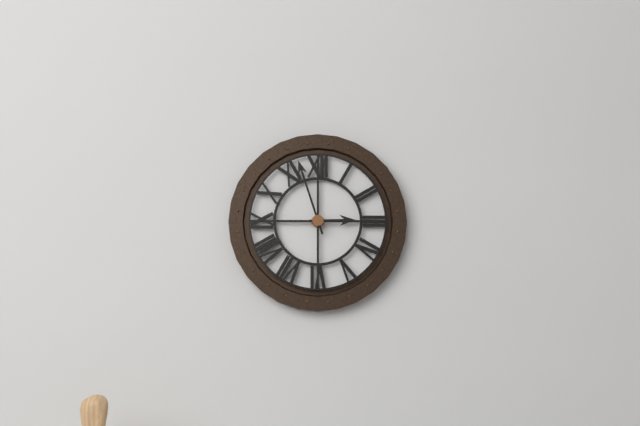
2:57
